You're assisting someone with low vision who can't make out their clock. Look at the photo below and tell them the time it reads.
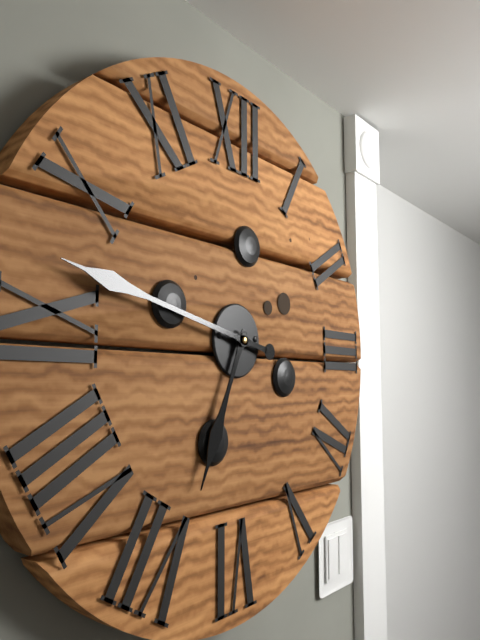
6:47
